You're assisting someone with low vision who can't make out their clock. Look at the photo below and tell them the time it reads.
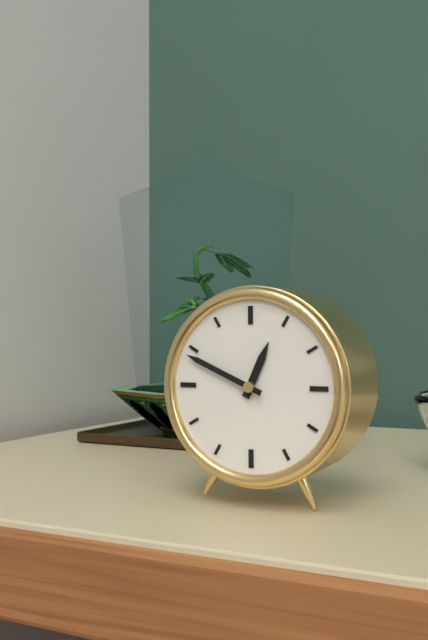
12:49
